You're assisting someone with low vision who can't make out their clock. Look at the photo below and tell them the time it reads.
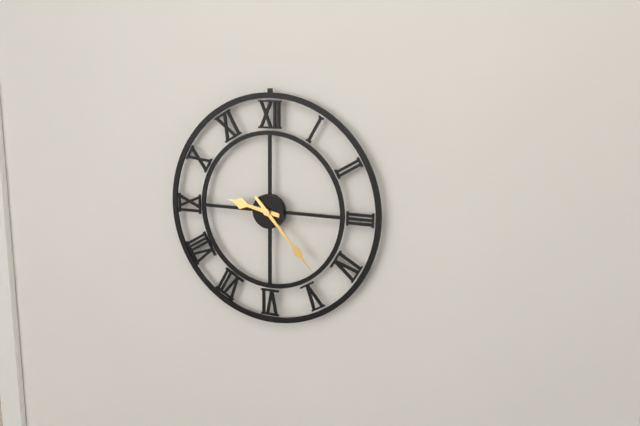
9:23
